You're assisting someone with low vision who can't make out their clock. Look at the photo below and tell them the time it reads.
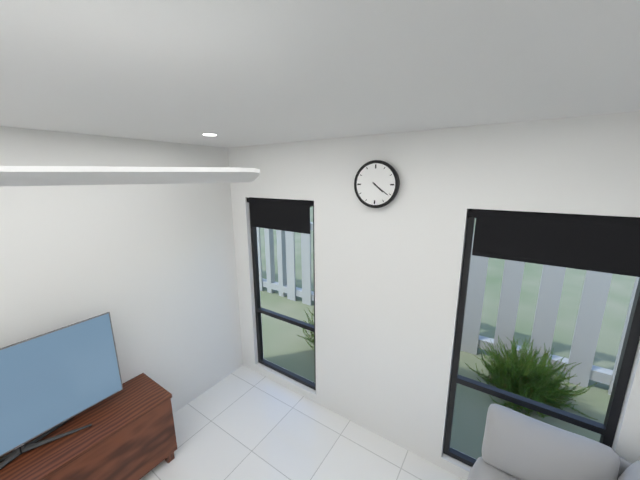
4:21
